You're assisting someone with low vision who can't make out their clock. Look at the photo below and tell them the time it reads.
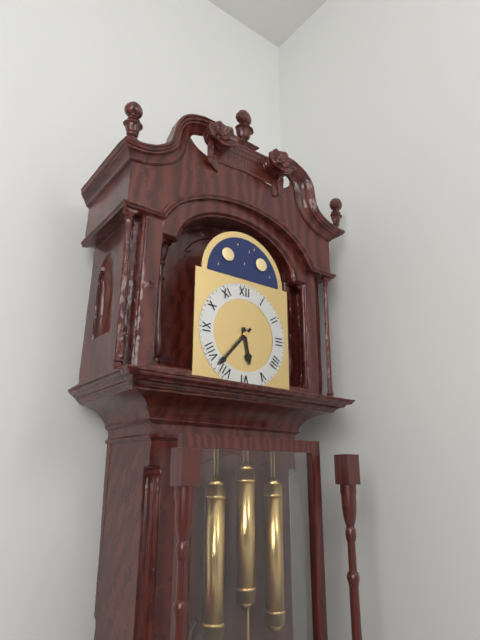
5:37
